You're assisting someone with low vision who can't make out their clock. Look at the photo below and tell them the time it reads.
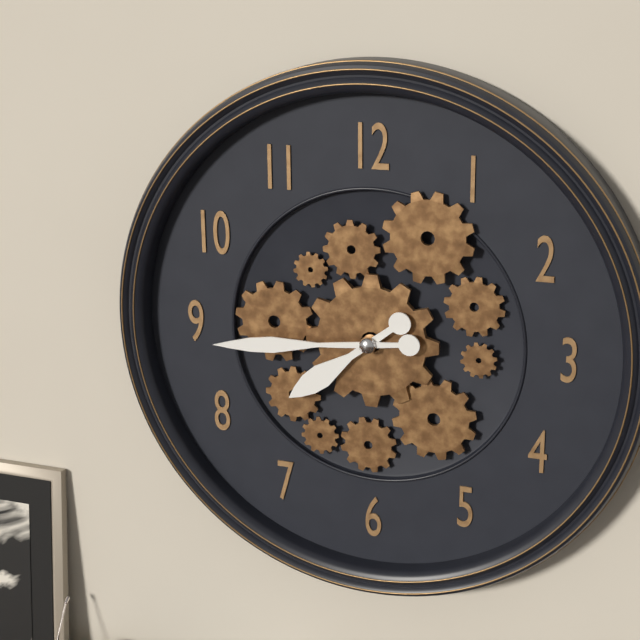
7:44
